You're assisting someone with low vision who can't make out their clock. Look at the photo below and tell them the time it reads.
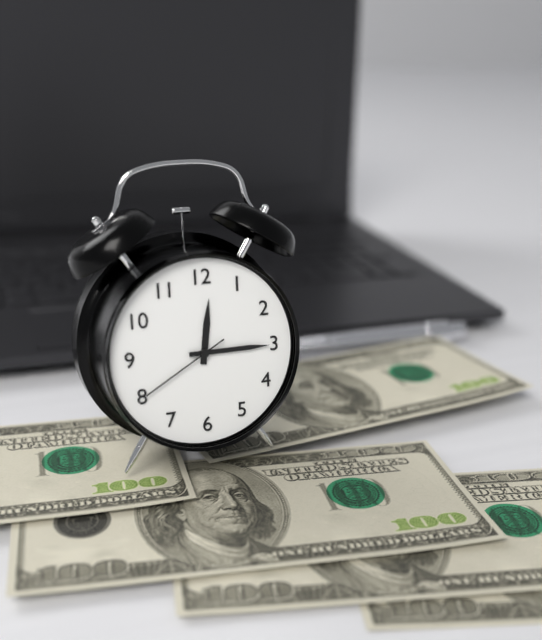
12:15:40
